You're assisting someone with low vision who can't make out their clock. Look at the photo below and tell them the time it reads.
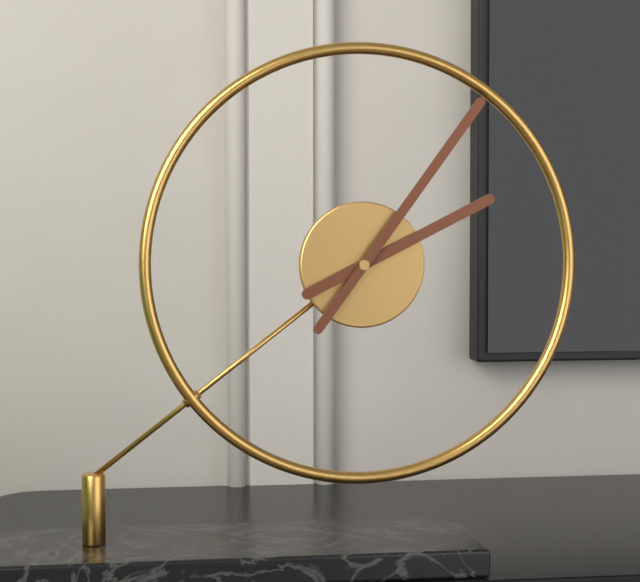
2:06
